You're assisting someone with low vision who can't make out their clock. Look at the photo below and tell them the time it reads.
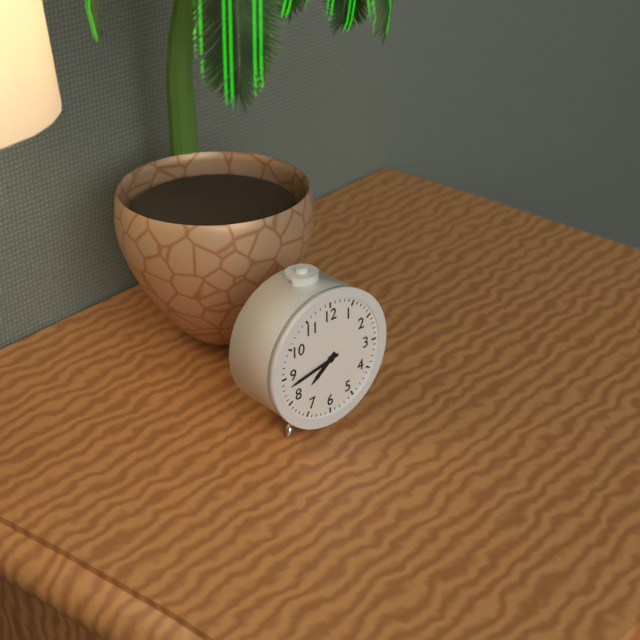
7:43
